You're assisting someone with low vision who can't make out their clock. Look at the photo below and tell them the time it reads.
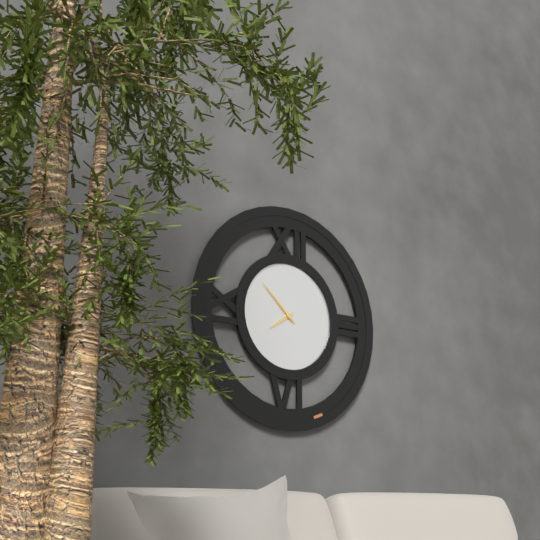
7:52
